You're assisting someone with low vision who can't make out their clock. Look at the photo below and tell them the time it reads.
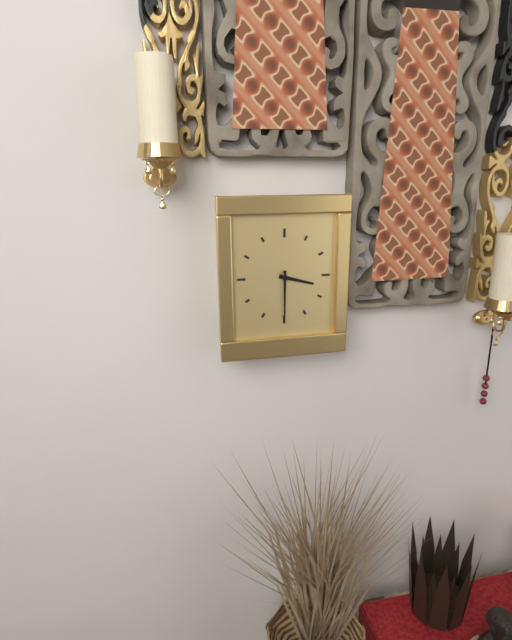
3:30
